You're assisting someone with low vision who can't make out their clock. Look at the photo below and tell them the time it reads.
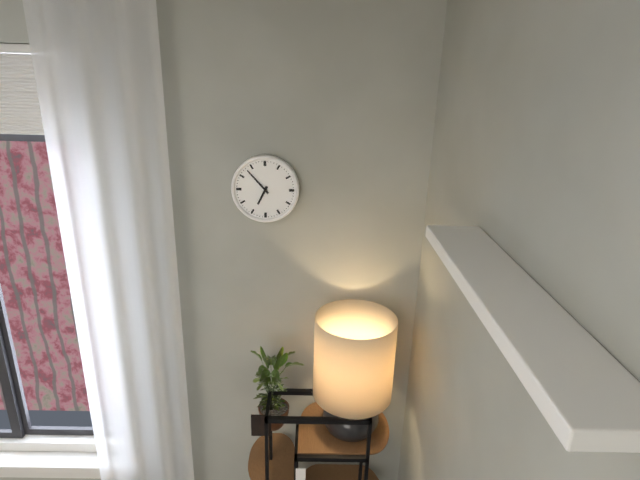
6:53
